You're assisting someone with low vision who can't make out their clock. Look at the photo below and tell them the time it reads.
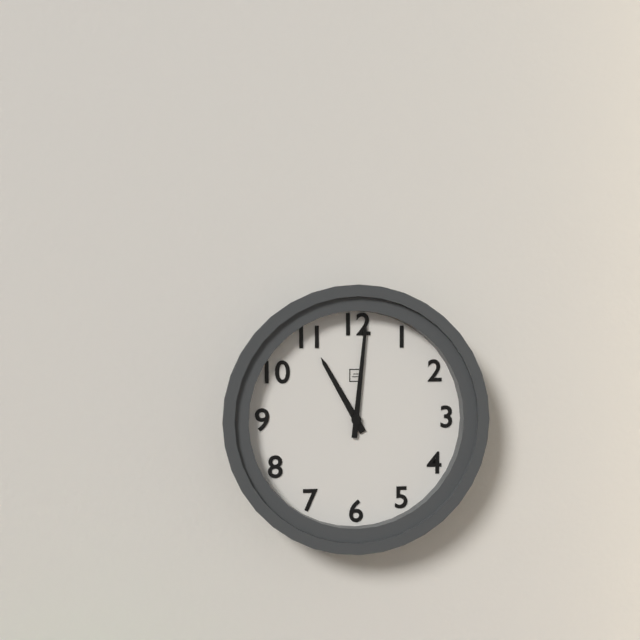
11:01
